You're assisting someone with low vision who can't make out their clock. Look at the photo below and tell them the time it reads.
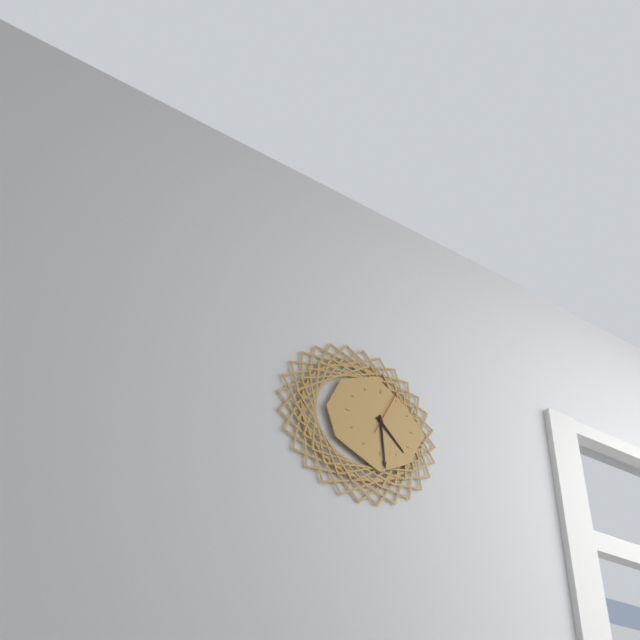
4:29
